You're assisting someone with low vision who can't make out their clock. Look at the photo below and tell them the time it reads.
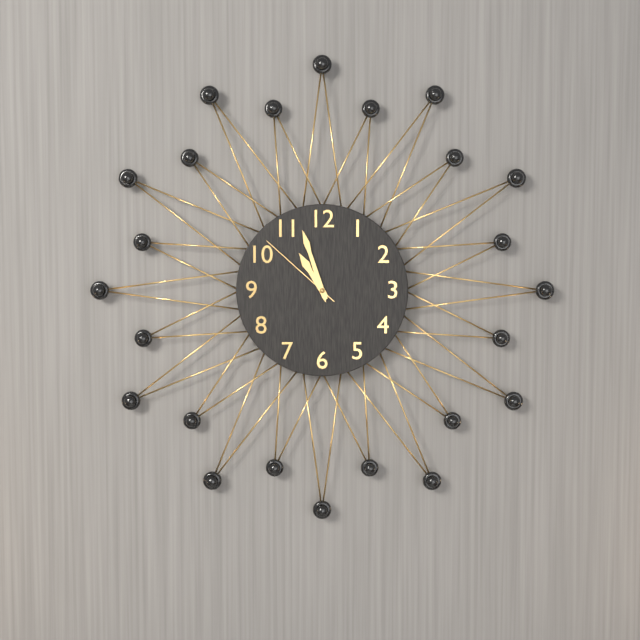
10:57:52
